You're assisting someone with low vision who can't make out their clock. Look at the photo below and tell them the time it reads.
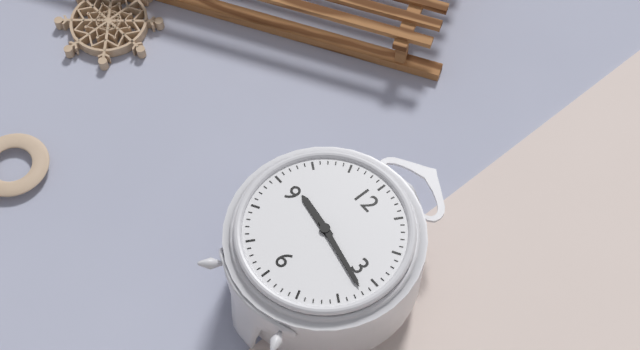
9:17
